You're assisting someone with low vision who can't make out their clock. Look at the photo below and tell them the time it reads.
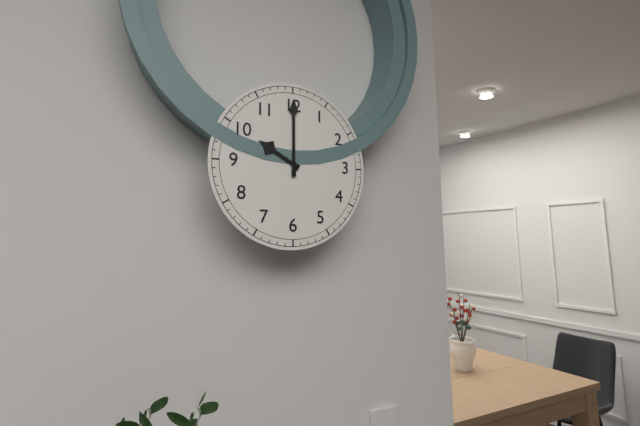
10:00
